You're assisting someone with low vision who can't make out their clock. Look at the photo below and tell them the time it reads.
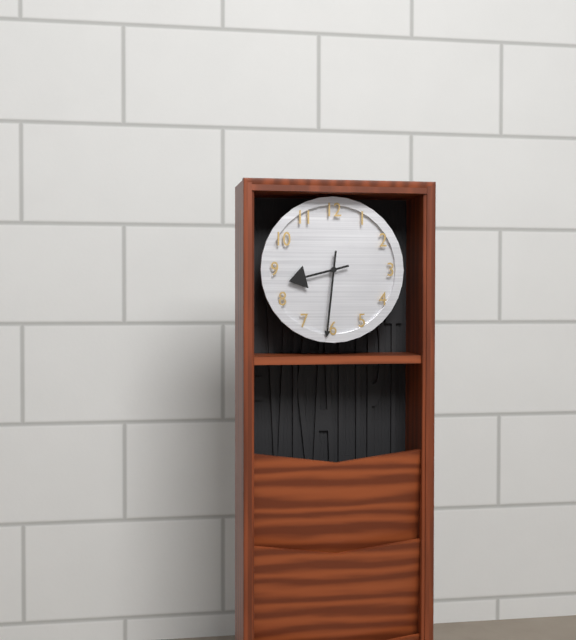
8:31
